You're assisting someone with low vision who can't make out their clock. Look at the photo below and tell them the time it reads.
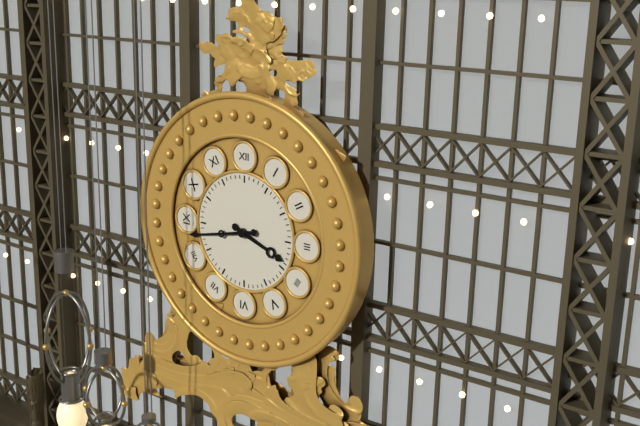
3:43
